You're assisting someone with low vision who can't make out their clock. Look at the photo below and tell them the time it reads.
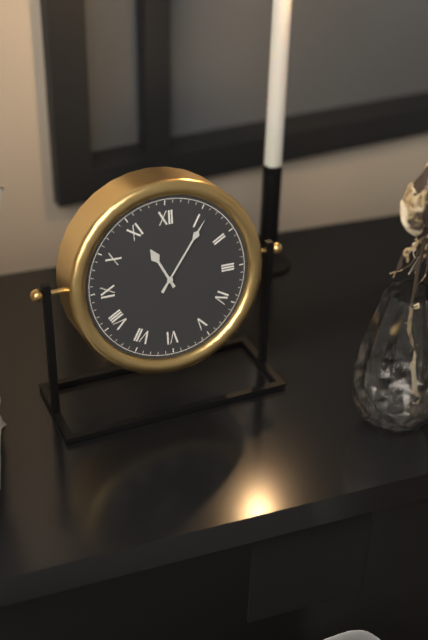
11:06
